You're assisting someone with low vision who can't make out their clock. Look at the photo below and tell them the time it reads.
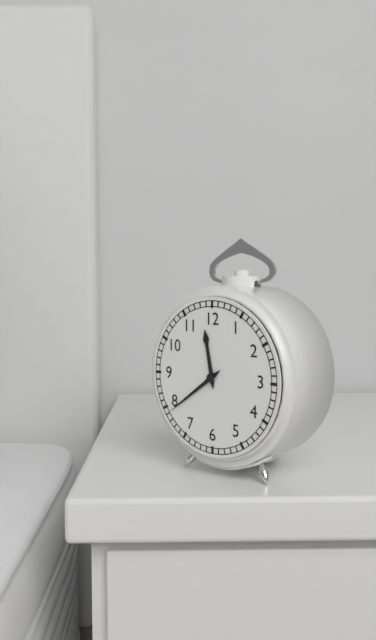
11:39
